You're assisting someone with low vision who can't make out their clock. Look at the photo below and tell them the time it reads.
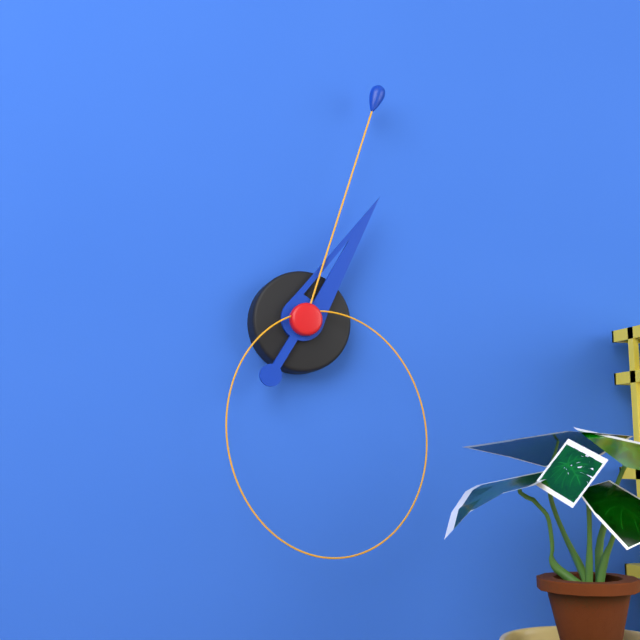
1:03:28
